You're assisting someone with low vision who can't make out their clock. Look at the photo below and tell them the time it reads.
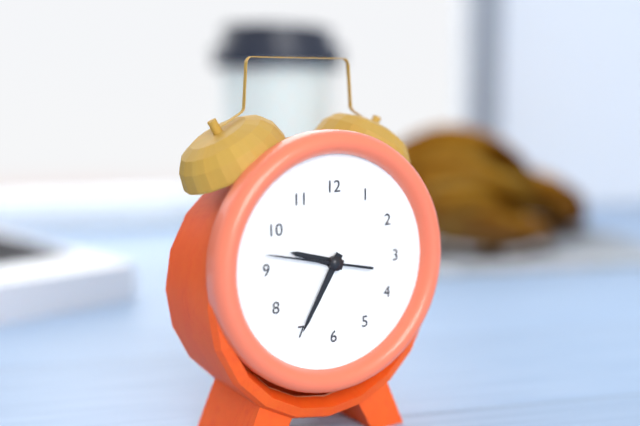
9:35:47
